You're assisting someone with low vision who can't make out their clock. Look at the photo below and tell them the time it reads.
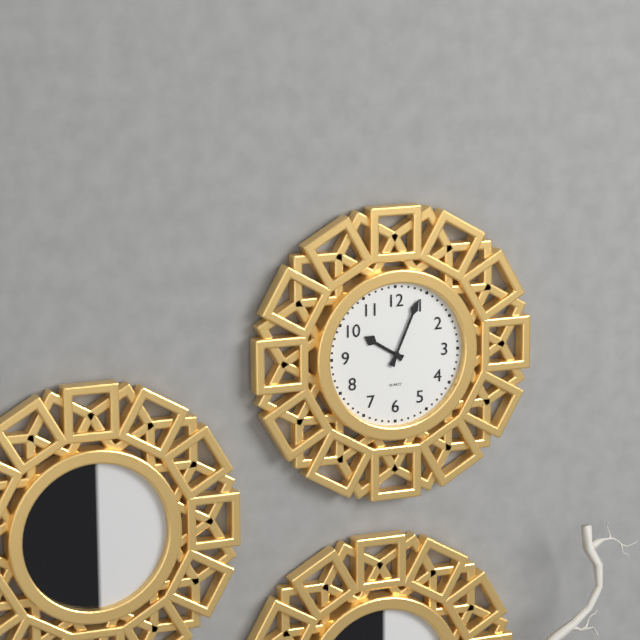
10:04
